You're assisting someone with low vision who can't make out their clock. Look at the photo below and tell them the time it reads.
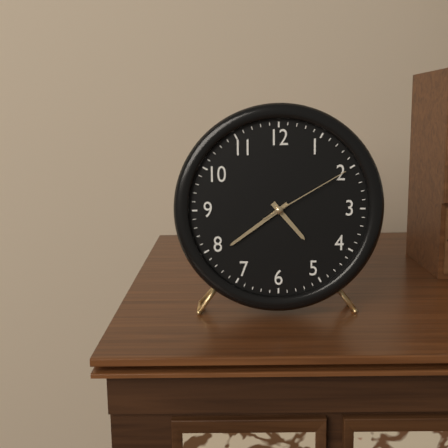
4:39:10
